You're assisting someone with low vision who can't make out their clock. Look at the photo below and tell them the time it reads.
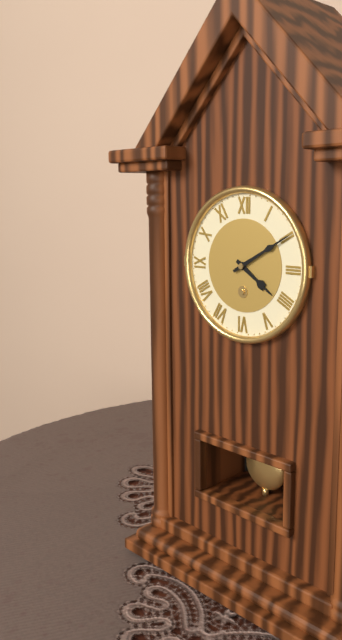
4:10
